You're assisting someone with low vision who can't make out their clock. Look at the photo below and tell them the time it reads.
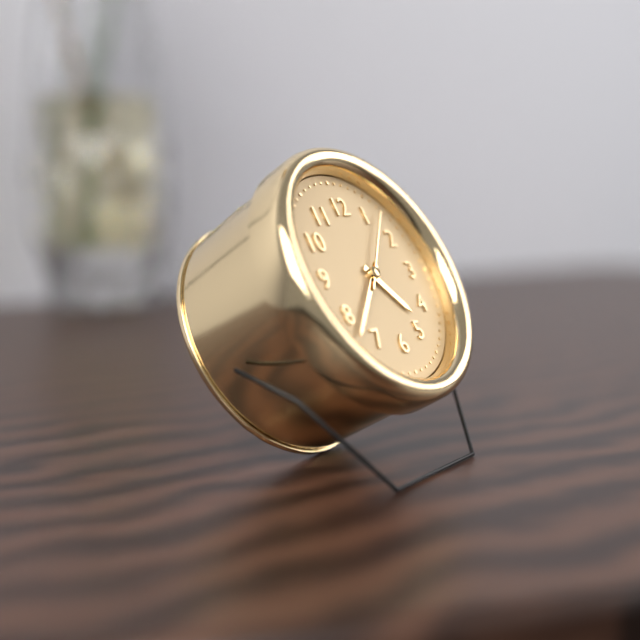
4:38:07
